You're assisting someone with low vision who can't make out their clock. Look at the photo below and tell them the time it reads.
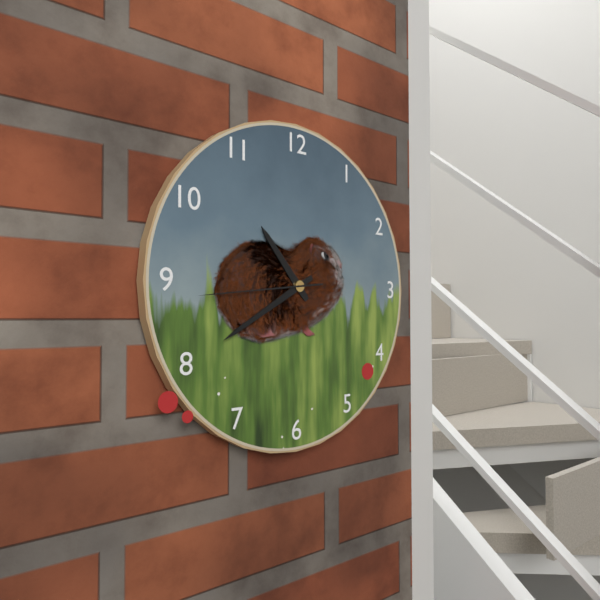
10:40:44
